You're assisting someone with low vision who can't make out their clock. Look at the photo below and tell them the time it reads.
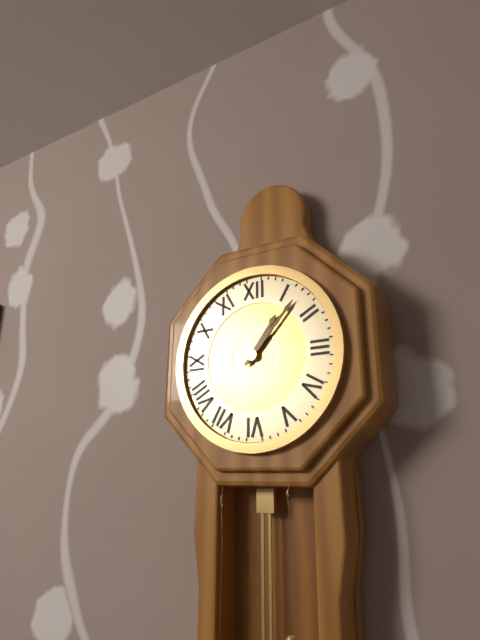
1:07
